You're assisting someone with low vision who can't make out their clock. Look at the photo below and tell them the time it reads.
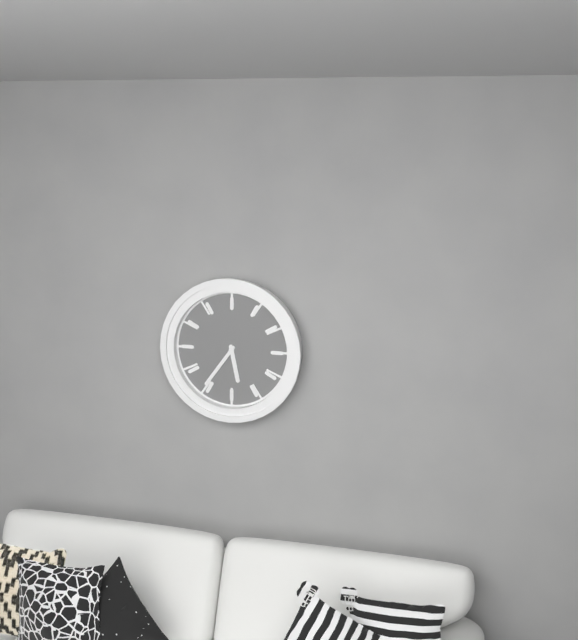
5:36
